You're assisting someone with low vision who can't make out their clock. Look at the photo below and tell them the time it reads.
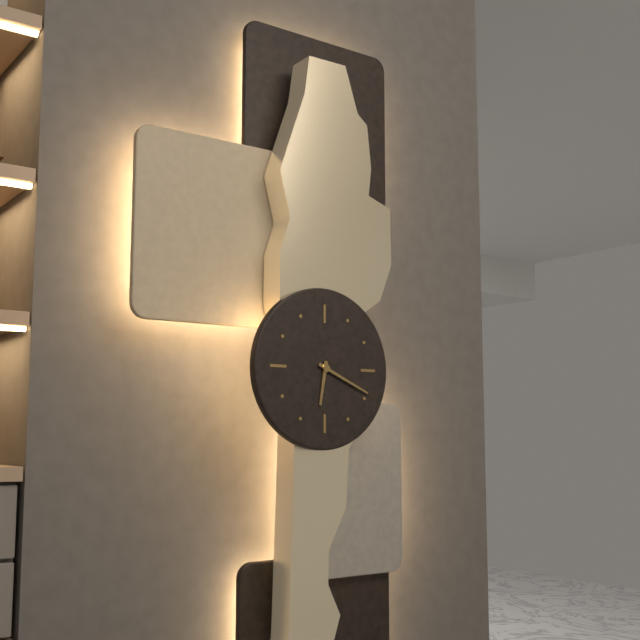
6:19
